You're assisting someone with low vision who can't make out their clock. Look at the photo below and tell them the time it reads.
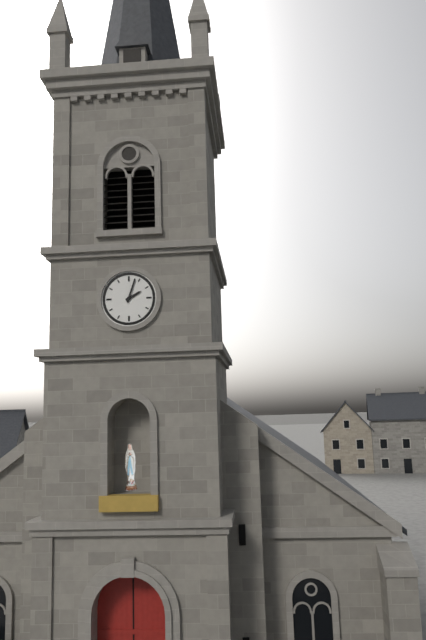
2:03
